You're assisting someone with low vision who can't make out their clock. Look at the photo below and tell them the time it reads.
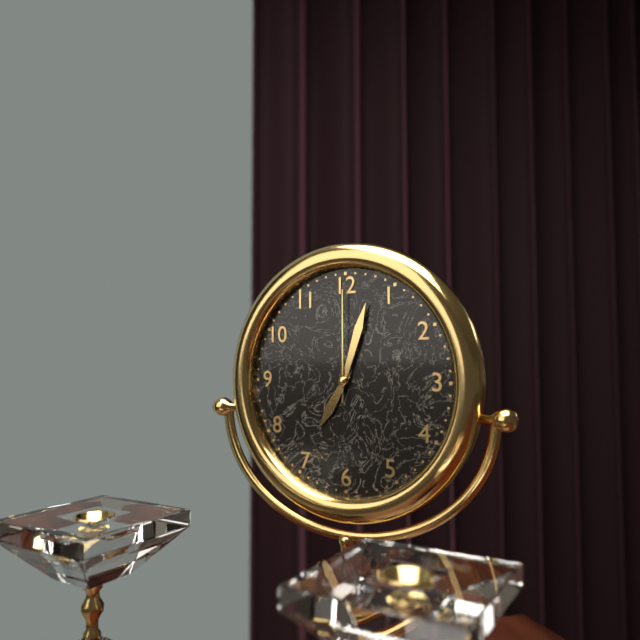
7:03:00
